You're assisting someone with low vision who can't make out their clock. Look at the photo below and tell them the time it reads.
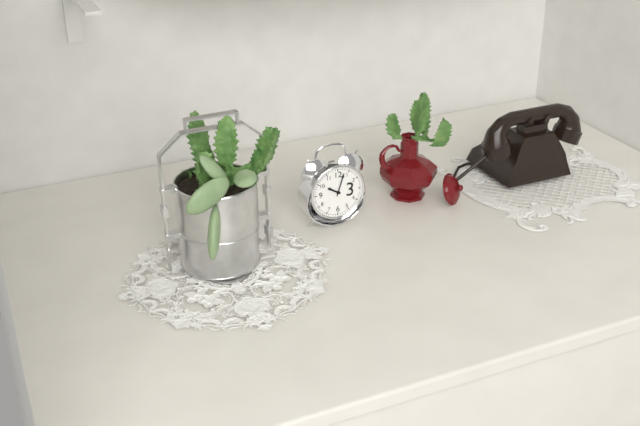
10:03
